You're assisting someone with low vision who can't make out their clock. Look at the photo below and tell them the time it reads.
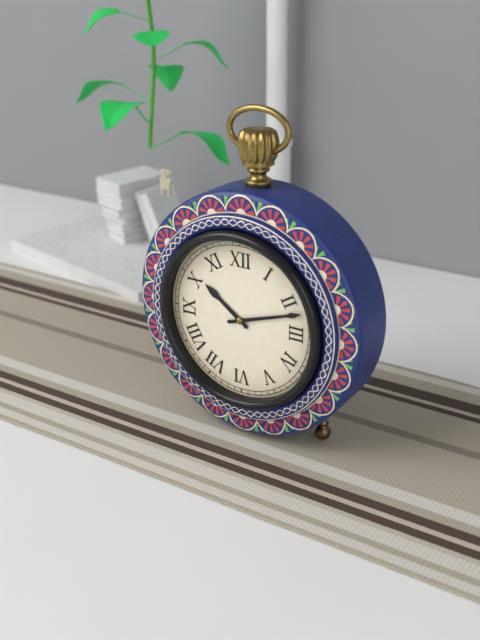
10:12
